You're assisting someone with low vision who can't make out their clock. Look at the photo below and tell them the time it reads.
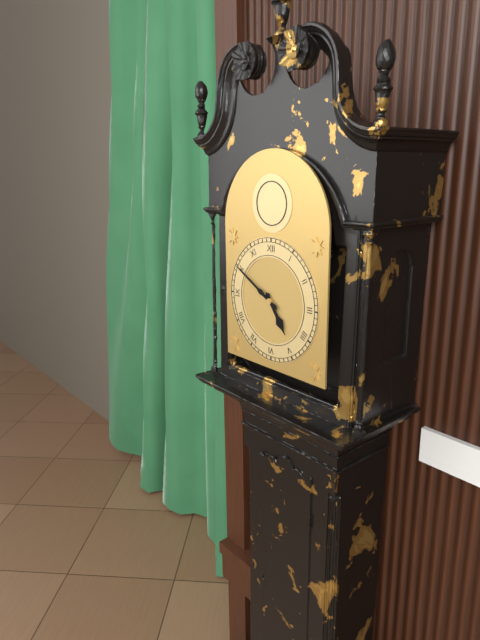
4:50
